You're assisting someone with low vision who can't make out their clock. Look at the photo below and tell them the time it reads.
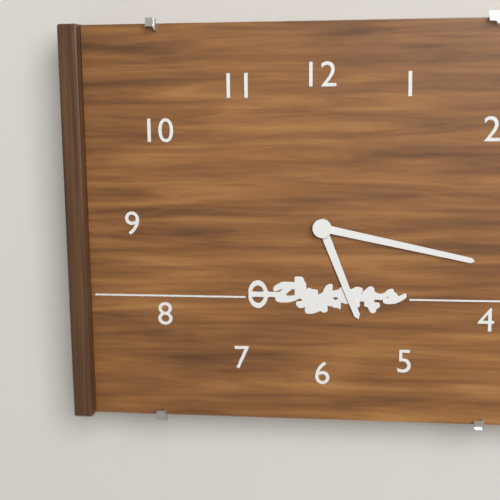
5:17
